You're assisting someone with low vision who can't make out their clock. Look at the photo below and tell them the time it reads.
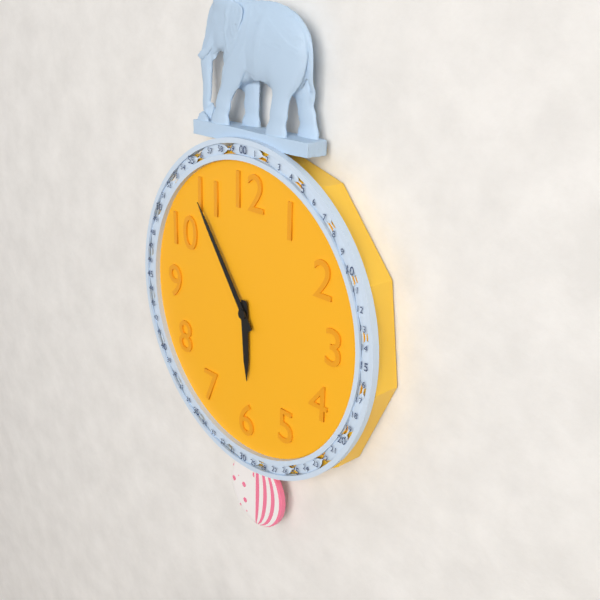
5:54
